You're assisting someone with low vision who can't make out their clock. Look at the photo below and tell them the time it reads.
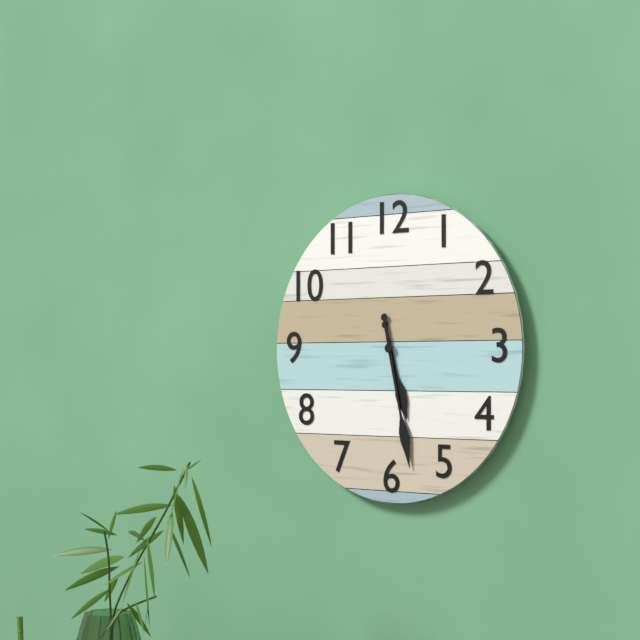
5:28
